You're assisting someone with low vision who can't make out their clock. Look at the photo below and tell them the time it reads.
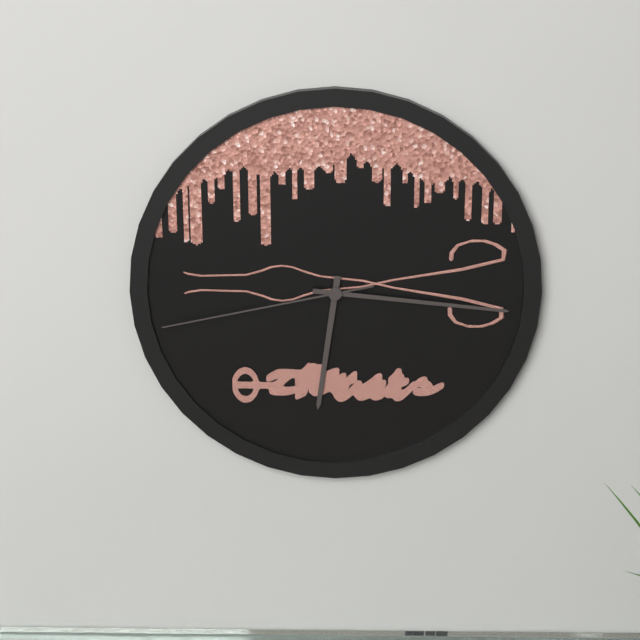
6:16:43
